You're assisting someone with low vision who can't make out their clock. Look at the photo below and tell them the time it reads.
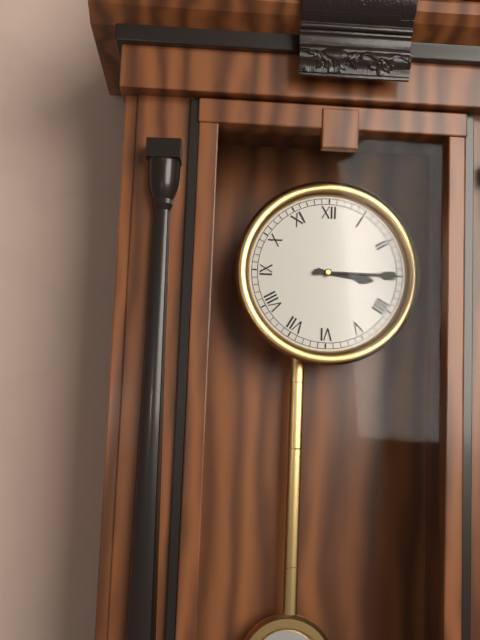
3:15
